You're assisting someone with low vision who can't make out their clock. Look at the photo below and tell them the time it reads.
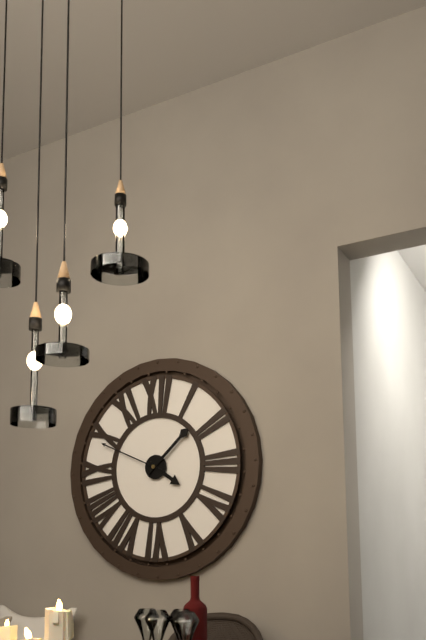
4:08:49
